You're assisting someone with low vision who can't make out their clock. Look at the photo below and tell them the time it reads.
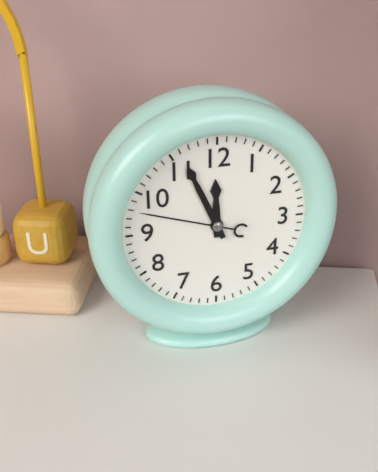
11:56:48
